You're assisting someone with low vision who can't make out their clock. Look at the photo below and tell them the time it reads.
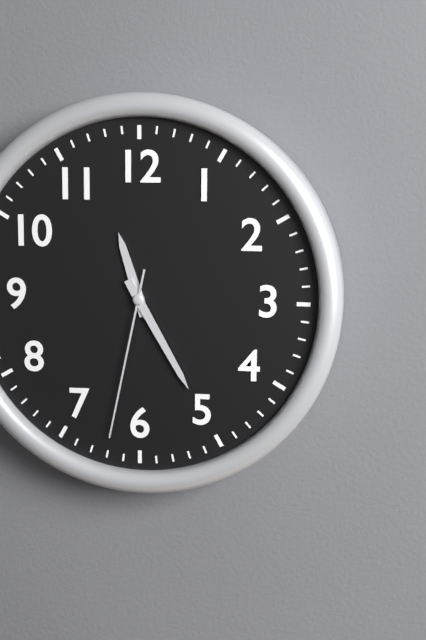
11:25:32
